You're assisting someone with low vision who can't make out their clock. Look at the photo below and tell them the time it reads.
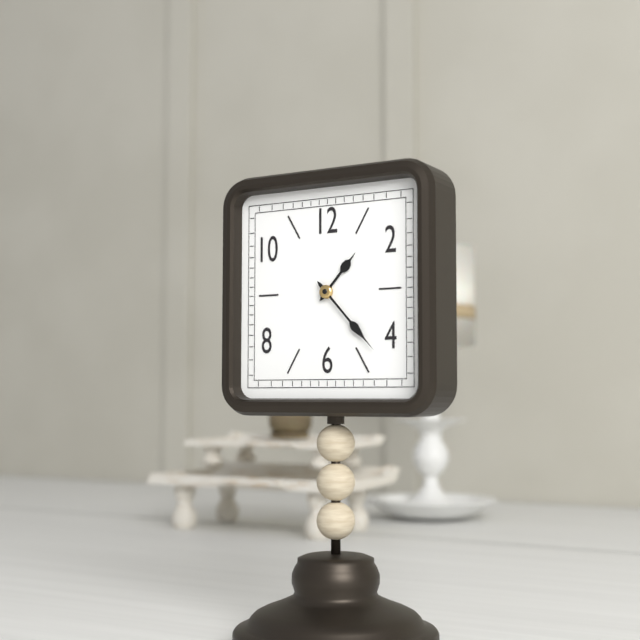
1:23
